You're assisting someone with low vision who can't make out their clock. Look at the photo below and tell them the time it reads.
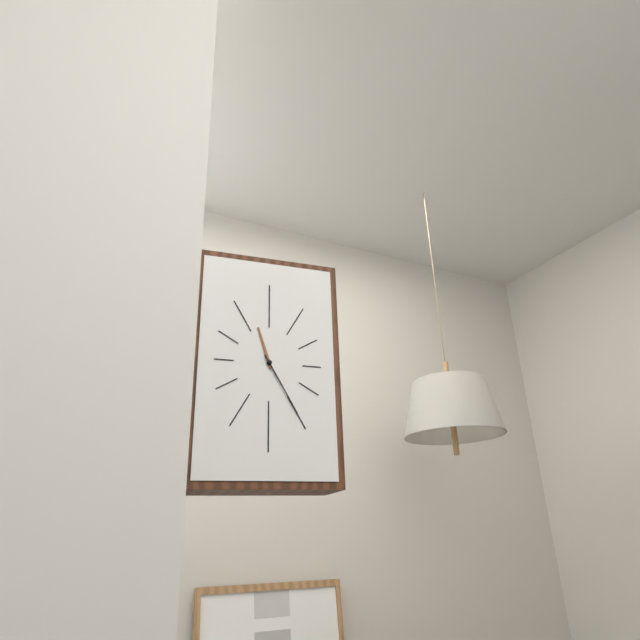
11:25
